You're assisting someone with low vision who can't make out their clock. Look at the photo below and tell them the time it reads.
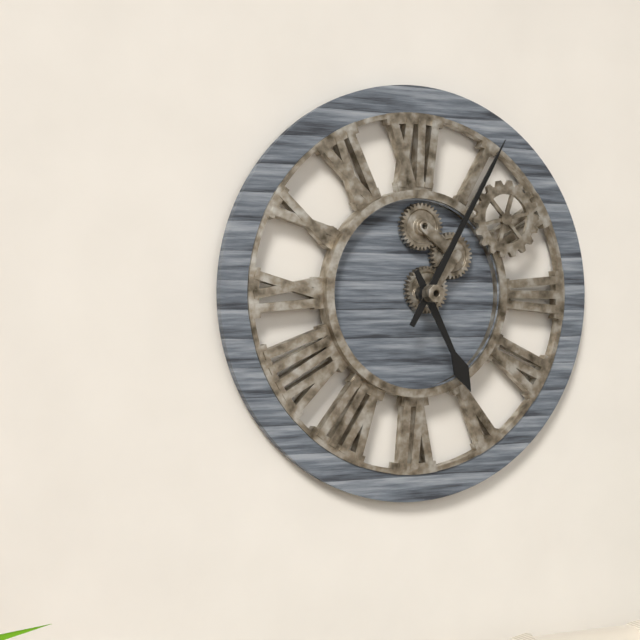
5:05
